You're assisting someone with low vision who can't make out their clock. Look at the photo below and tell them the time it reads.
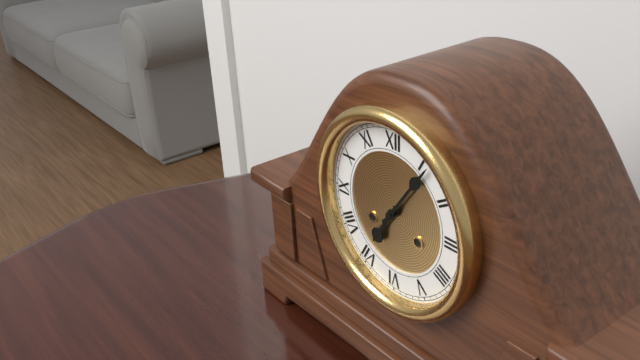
7:06
